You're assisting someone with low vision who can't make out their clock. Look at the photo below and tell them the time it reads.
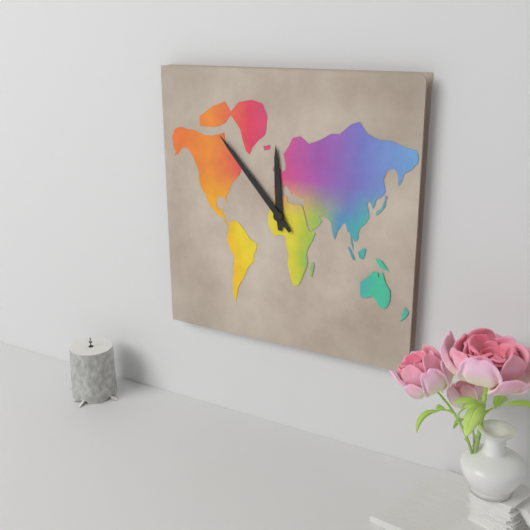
11:53
